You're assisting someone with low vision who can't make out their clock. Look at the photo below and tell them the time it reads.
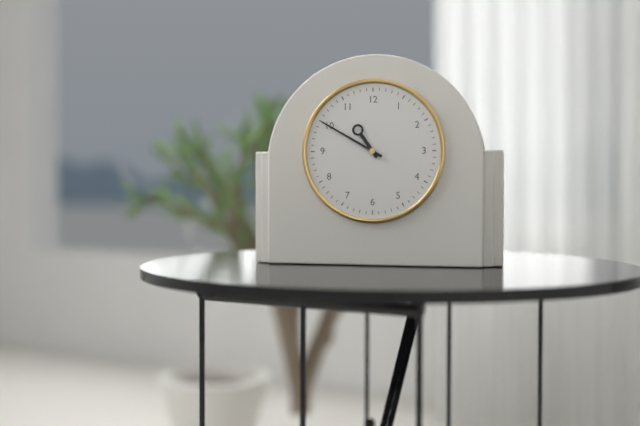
10:50
